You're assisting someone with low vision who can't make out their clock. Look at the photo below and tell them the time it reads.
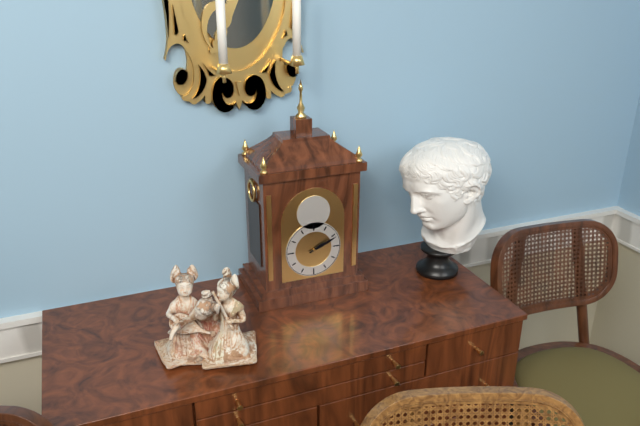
2:11
